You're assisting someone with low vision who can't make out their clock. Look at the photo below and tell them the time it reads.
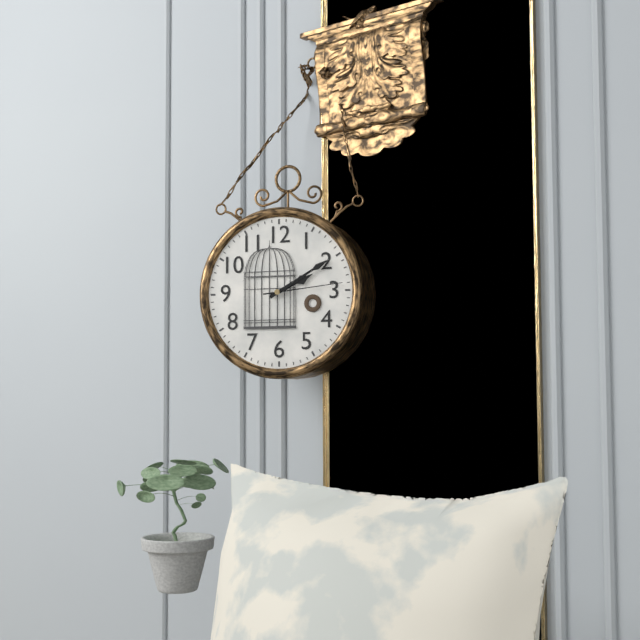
2:10:14
